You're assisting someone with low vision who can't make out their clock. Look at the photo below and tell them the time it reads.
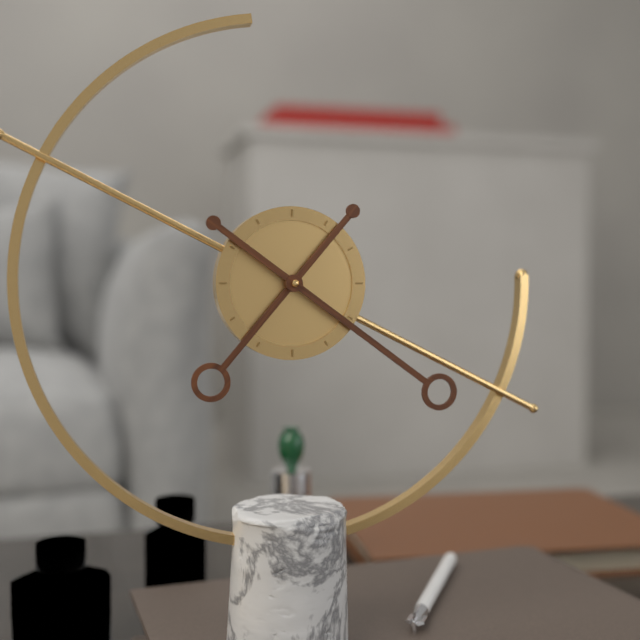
7:21
